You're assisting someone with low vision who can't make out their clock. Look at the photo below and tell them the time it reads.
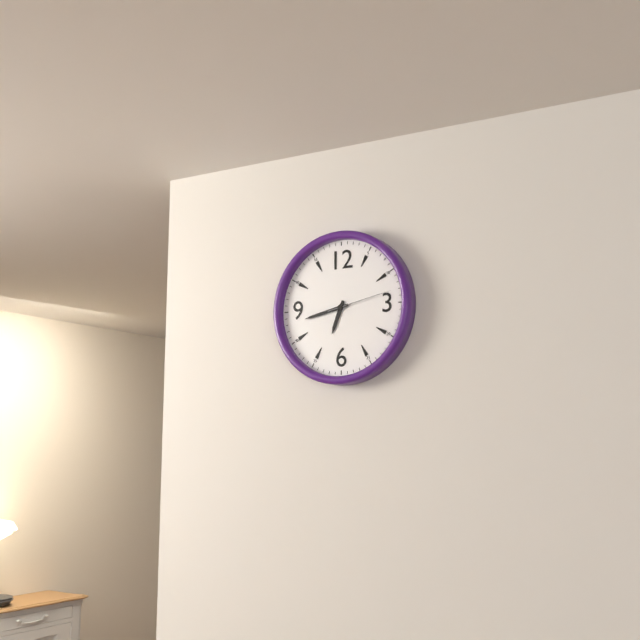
6:43:13
